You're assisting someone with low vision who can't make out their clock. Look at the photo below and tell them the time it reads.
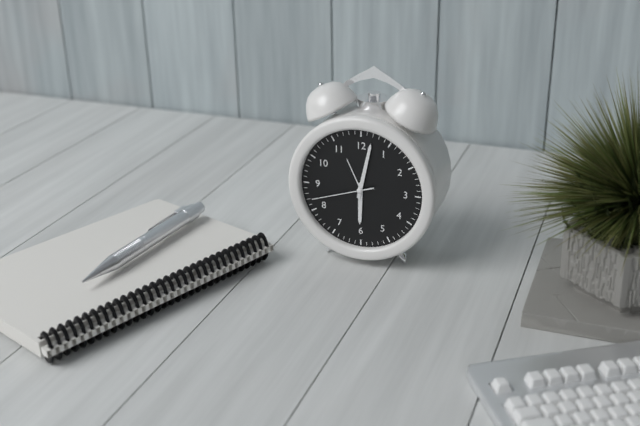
6:02:42
